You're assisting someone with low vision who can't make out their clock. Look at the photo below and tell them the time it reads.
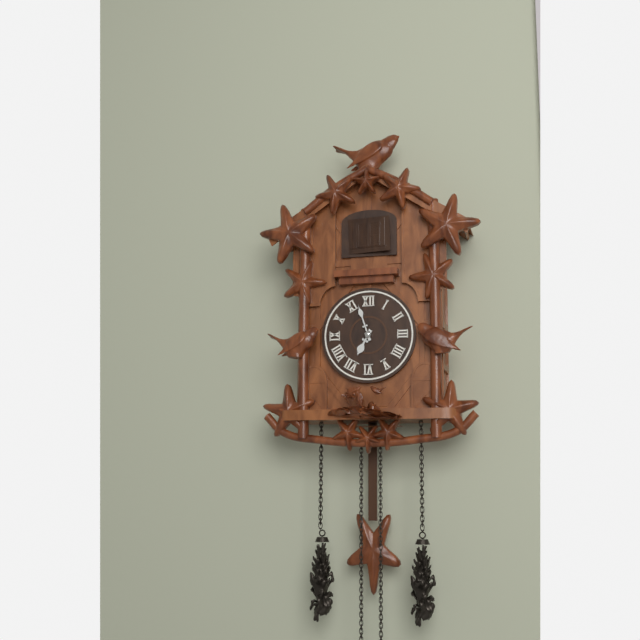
6:57
